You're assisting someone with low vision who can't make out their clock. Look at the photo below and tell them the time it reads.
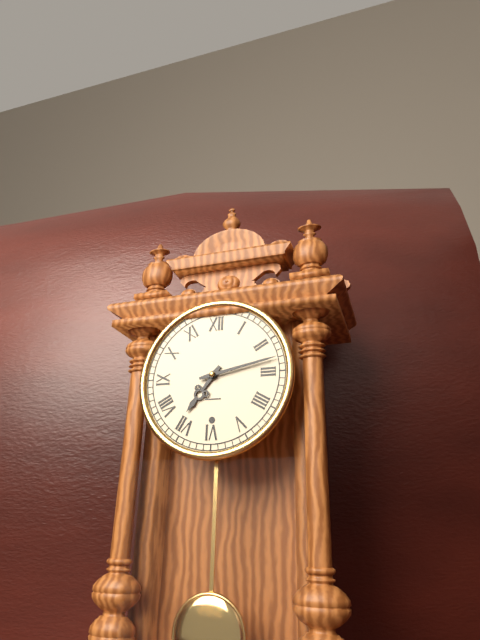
7:13
